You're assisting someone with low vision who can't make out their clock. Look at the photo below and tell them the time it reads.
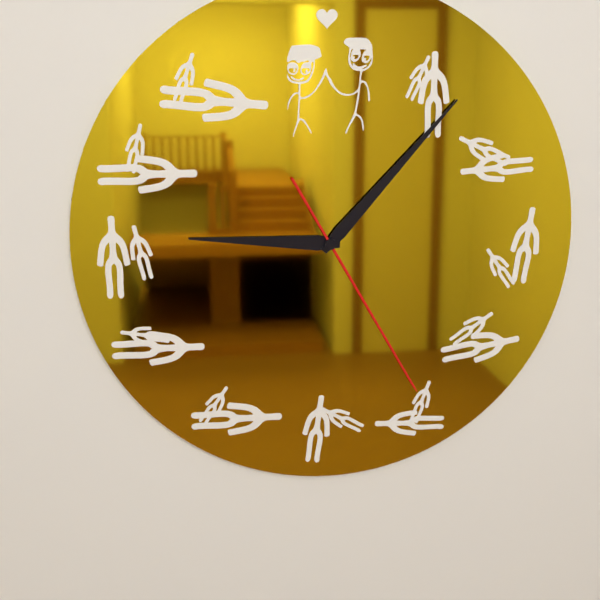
9:07:25
